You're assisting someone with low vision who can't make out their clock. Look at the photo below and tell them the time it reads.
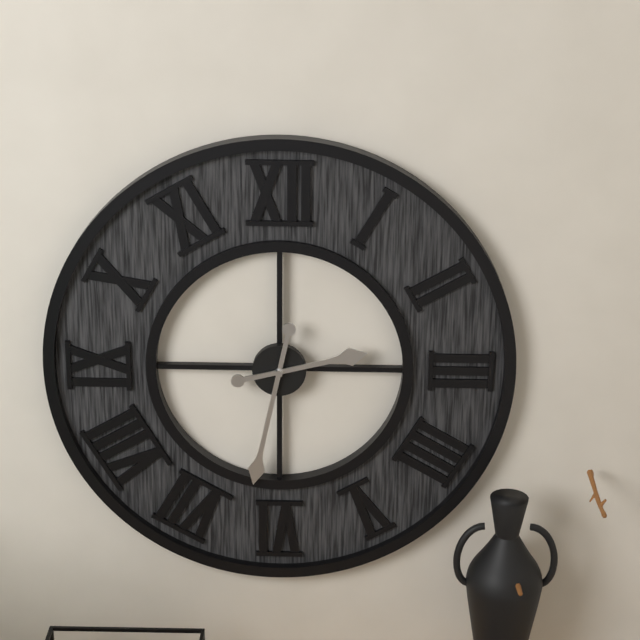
2:32
